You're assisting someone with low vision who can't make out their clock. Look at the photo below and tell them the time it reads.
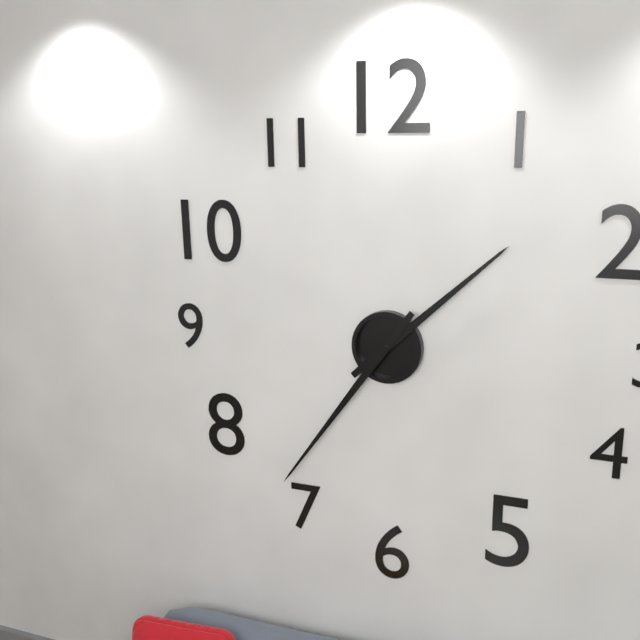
1:36
